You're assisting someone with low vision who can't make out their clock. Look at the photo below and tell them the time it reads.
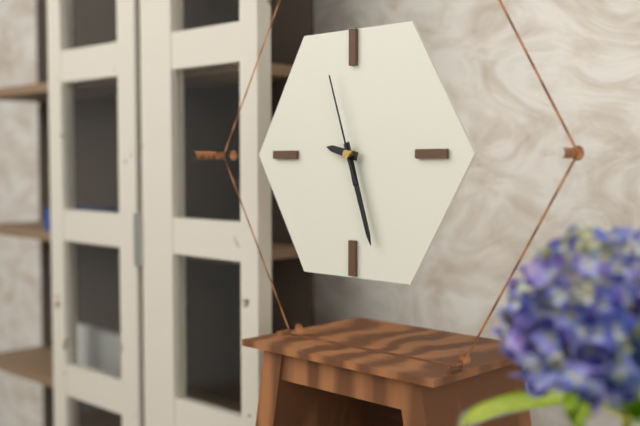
9:27:57
